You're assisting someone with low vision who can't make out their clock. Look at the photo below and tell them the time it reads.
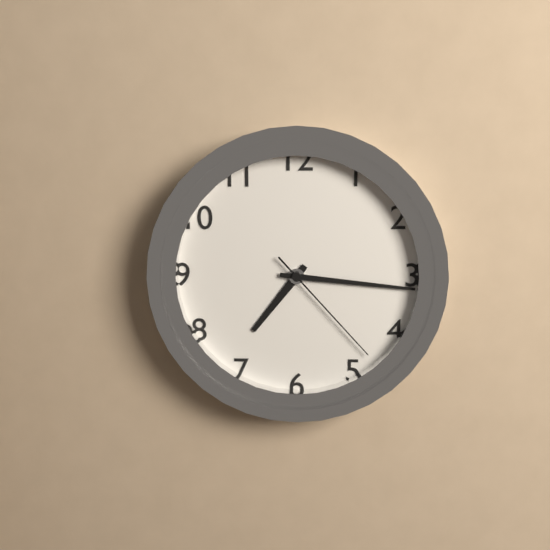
7:16:23
